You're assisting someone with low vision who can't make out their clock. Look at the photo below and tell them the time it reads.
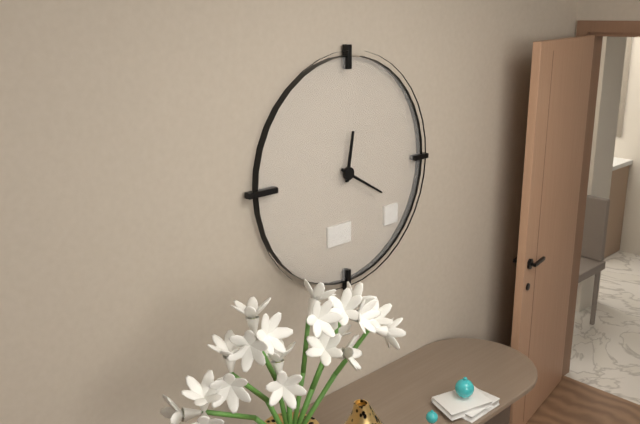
12:20
